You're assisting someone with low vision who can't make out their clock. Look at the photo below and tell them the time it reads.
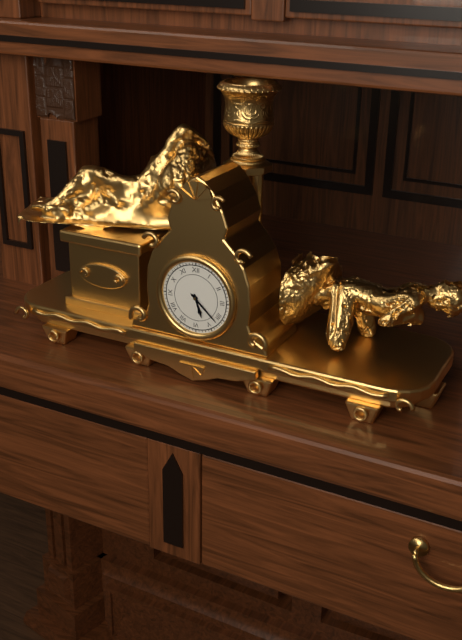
5:22
